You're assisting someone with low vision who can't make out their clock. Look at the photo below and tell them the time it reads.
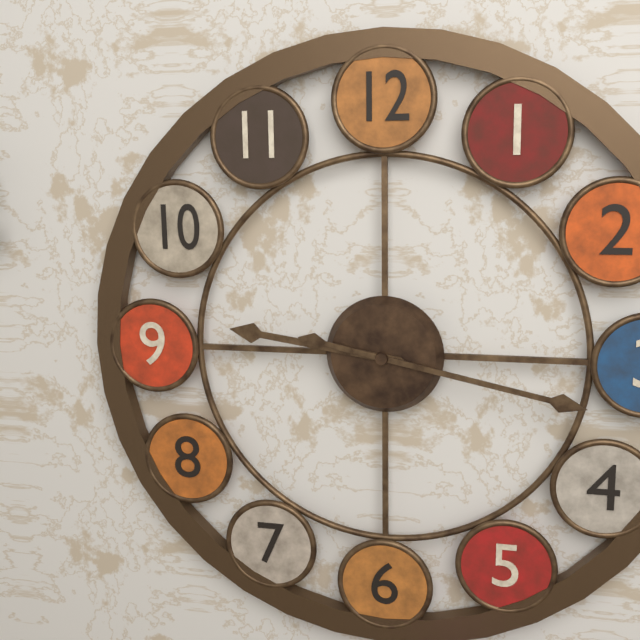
9:17
